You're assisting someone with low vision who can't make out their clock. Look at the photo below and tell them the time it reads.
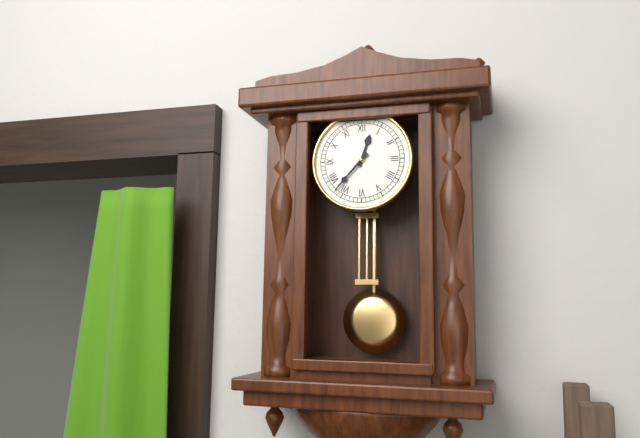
12:37
